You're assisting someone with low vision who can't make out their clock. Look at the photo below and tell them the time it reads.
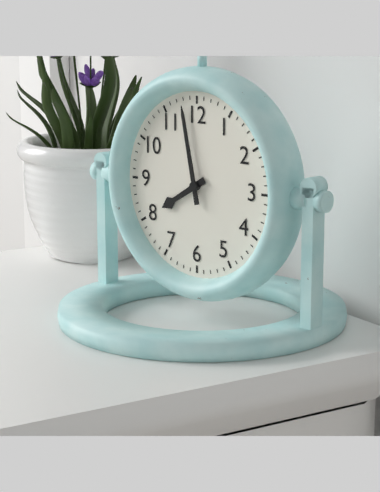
7:58
